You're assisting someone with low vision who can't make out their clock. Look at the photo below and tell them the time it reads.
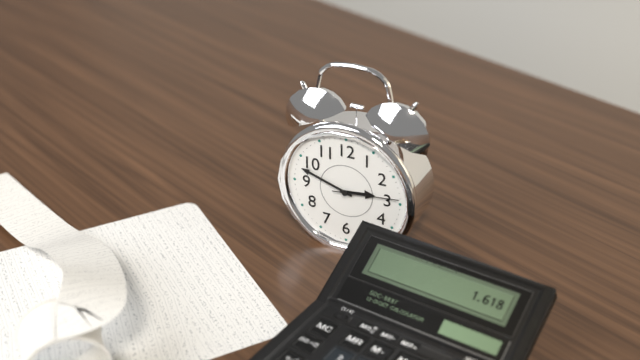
2:48:14
